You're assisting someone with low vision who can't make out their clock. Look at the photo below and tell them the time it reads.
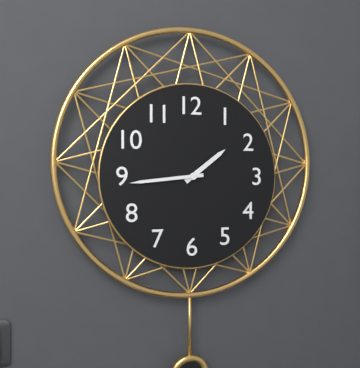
1:44
